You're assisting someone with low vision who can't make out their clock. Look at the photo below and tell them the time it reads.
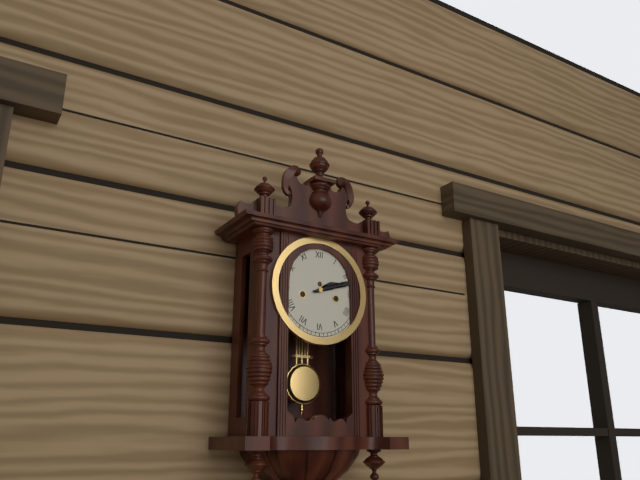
2:12
